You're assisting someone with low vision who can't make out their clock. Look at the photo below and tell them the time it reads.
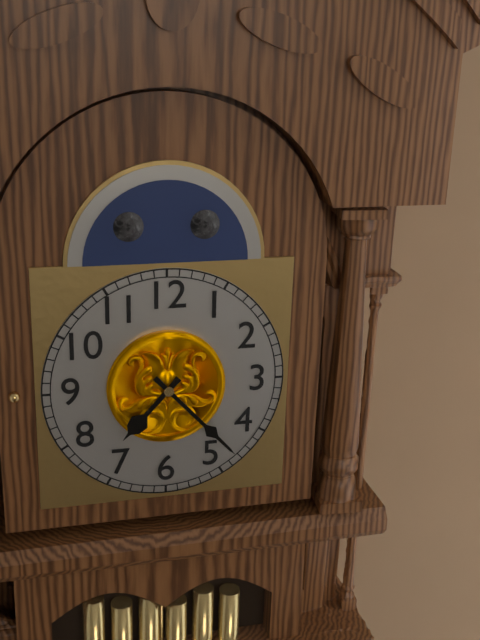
7:23
